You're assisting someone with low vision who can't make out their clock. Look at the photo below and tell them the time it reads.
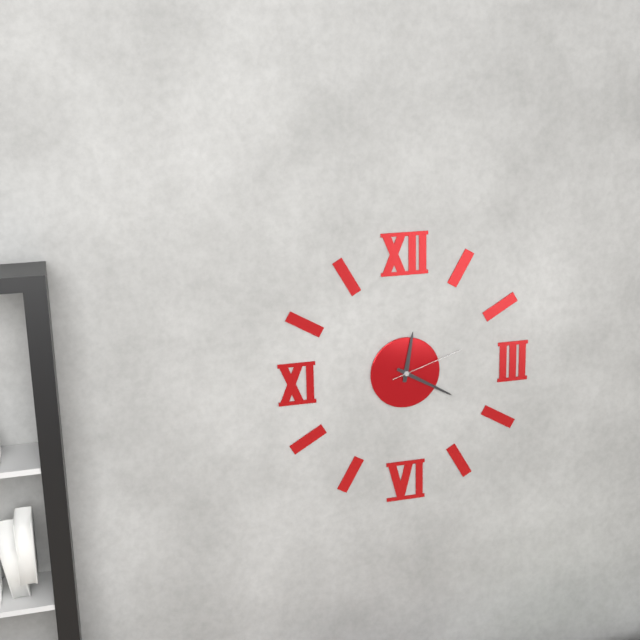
12:20:12
